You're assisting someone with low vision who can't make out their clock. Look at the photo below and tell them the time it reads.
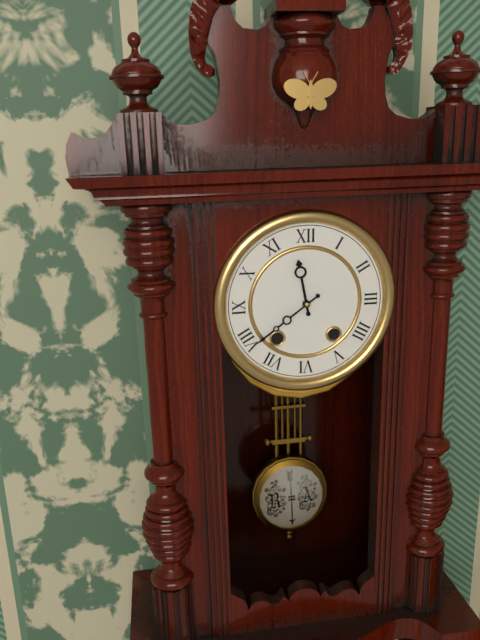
11:39
